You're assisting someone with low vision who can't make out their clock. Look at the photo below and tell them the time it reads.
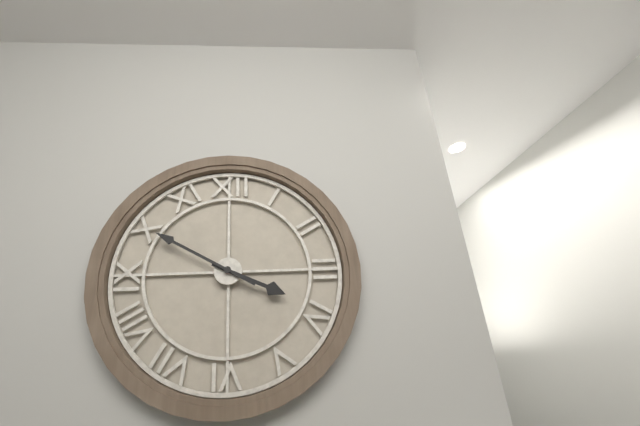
3:50
